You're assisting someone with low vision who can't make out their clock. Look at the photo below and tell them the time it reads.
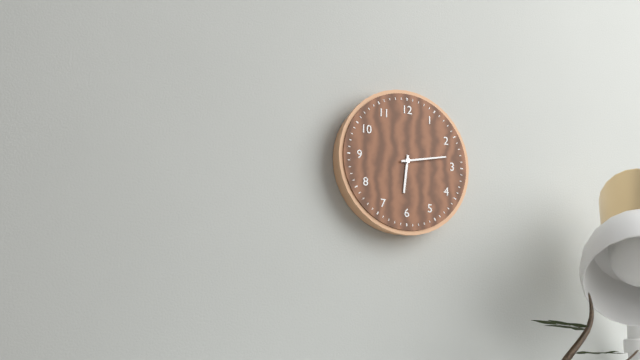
6:13
